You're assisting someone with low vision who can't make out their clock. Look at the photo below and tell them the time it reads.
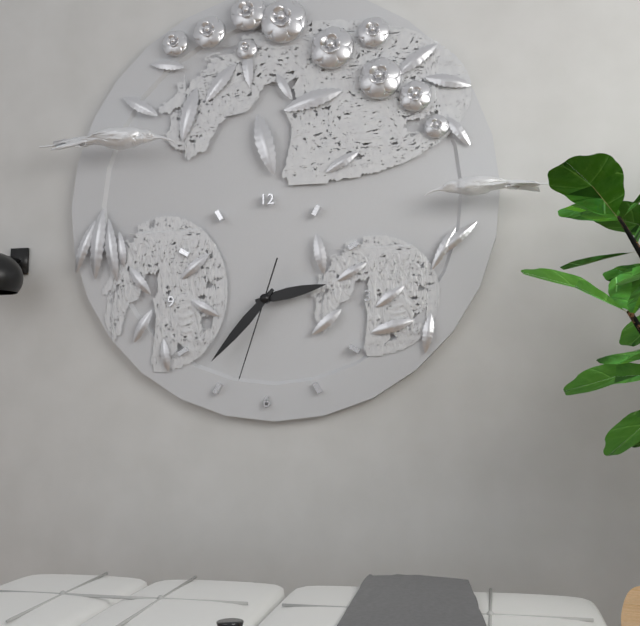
2:37:33
